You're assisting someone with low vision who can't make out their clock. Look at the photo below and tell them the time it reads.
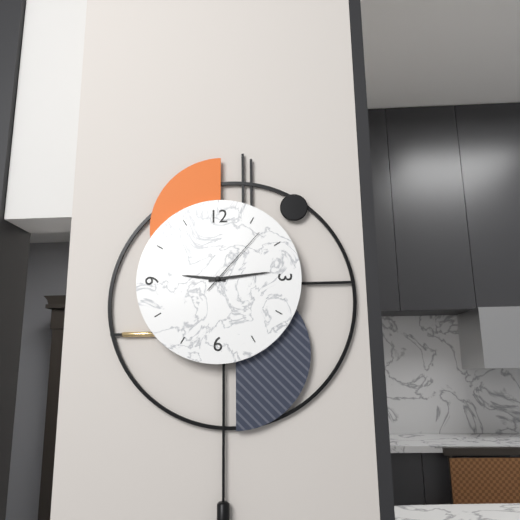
9:14:07
